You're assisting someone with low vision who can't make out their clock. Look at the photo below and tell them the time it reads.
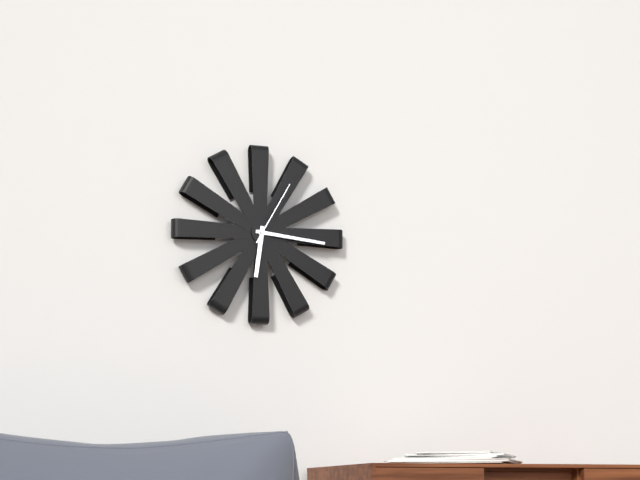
6:16:05
